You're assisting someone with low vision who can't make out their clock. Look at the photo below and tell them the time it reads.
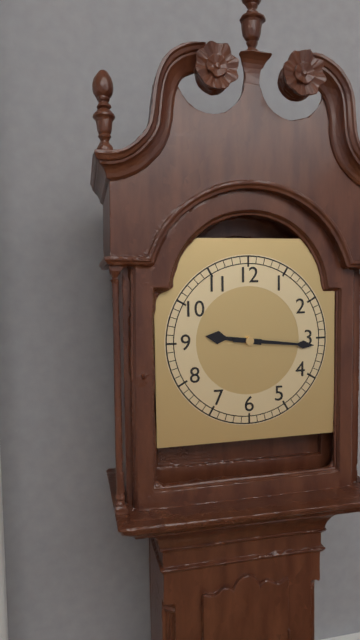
9:16
